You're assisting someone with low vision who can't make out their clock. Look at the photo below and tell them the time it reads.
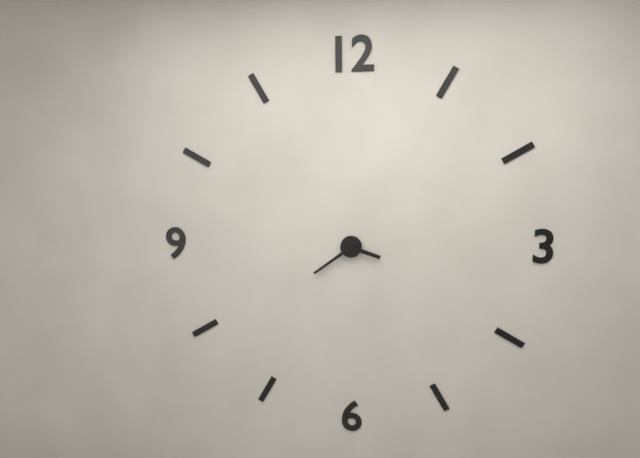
3:39
